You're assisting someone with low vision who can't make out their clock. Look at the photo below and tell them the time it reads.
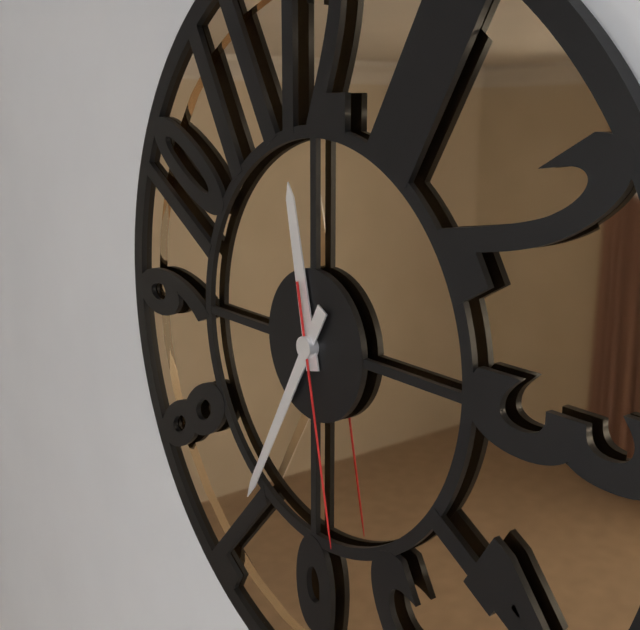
11:35:28
